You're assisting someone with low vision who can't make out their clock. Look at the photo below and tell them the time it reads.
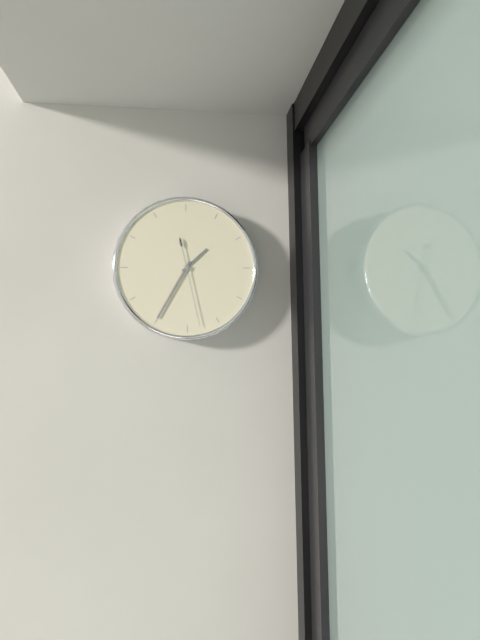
1:35:28
